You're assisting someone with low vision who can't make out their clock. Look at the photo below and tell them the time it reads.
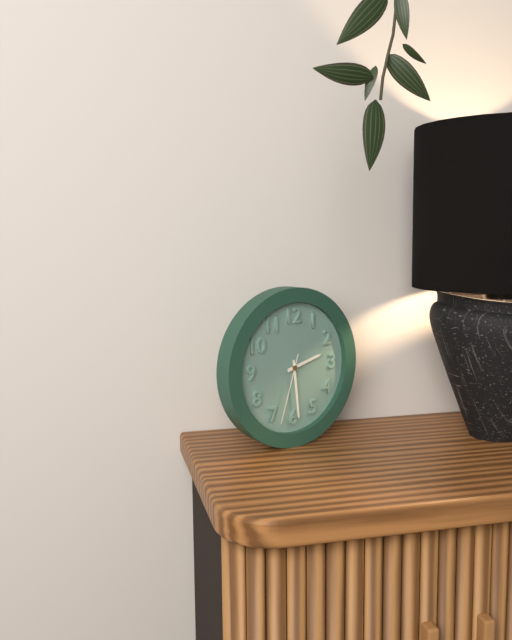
2:29:33
